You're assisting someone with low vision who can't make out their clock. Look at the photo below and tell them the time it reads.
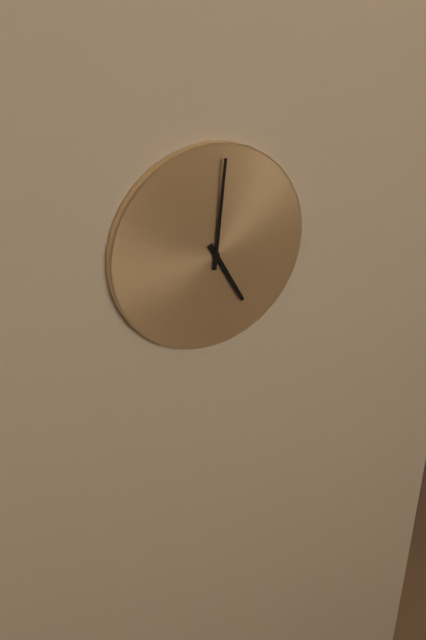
5:01
